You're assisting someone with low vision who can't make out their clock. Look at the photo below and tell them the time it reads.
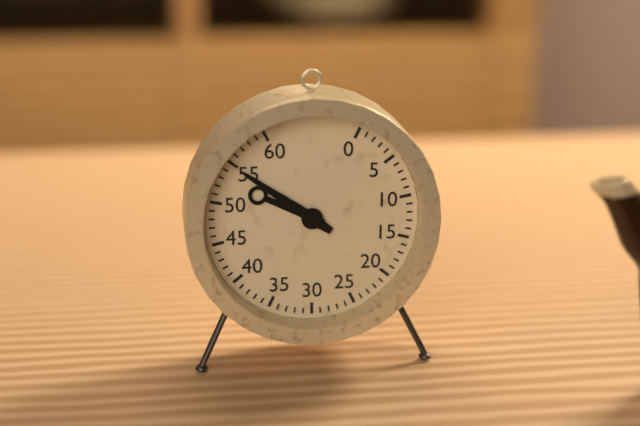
9:51
